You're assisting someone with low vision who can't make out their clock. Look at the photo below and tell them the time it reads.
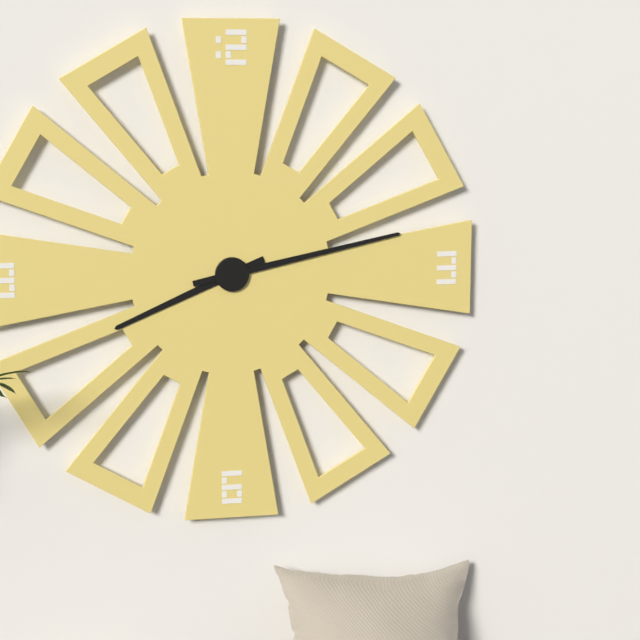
8:13
